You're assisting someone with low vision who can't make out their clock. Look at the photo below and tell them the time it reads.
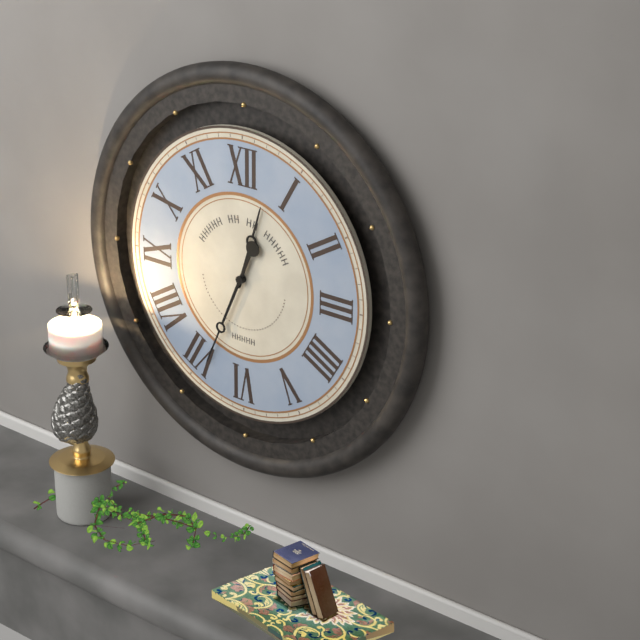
12:34
